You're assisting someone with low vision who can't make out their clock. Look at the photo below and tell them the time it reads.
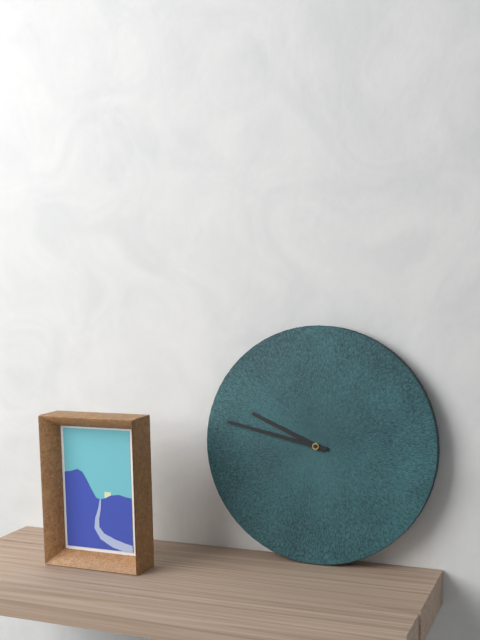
9:47
